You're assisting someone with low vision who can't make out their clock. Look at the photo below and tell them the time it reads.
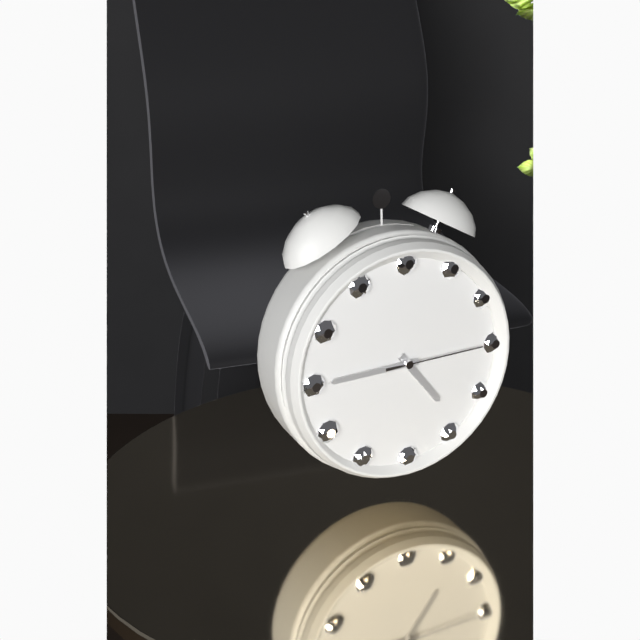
4:45:15
